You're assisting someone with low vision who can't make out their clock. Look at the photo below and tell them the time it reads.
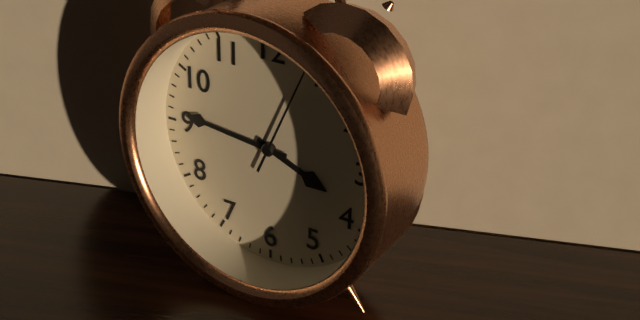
3:46:04
